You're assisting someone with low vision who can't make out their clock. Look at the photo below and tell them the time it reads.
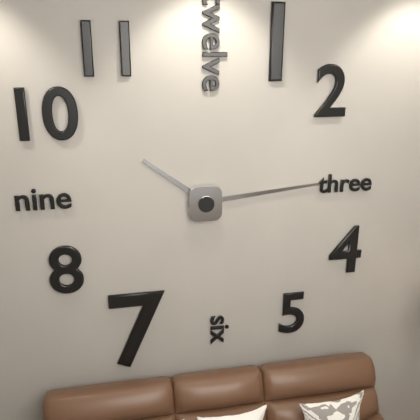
10:14
